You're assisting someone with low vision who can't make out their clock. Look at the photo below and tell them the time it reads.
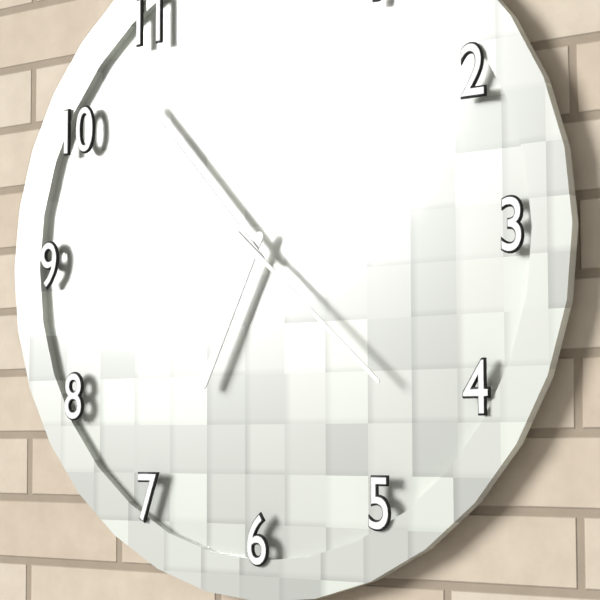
6:53:22
